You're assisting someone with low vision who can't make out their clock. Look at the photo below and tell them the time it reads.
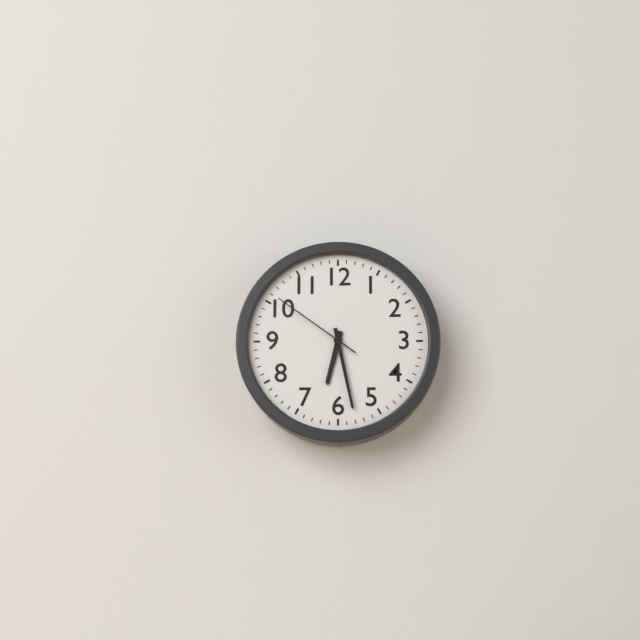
6:28:51
